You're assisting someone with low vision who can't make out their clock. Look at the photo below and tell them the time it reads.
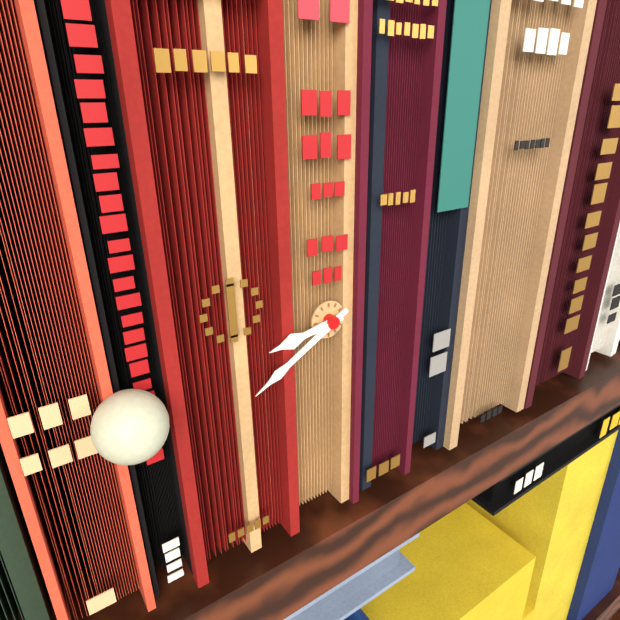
8:40
